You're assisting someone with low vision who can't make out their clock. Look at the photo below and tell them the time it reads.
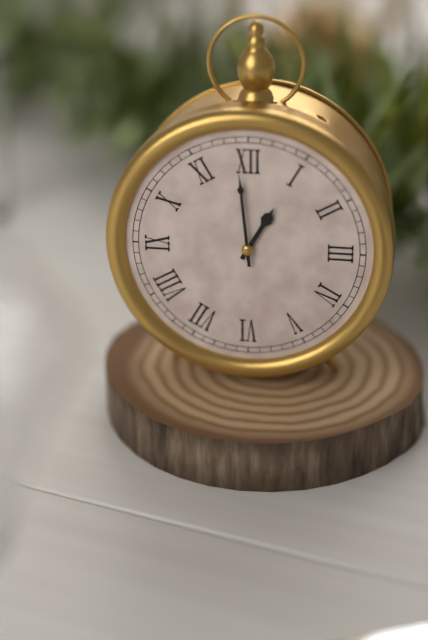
12:59
